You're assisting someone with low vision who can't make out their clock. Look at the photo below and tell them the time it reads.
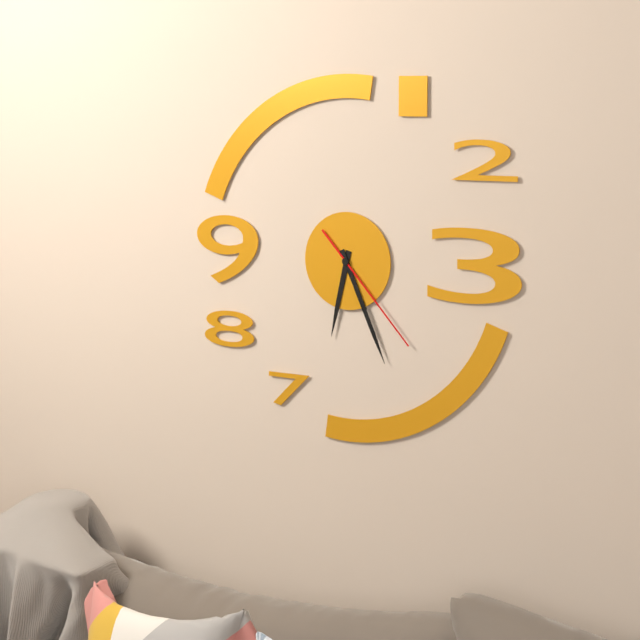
6:26:23
